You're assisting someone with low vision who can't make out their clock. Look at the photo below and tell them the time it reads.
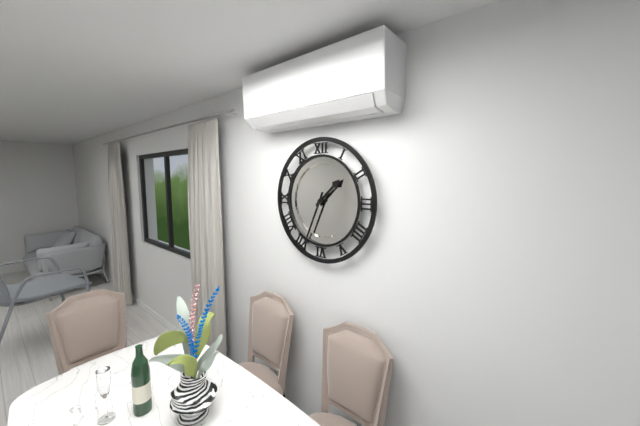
1:34
